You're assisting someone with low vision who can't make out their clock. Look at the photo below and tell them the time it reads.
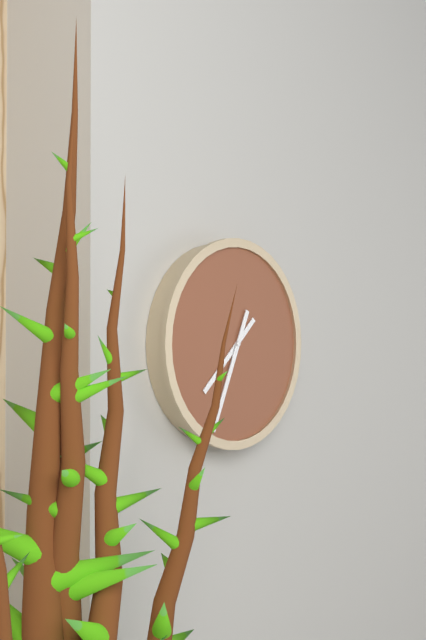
7:34
